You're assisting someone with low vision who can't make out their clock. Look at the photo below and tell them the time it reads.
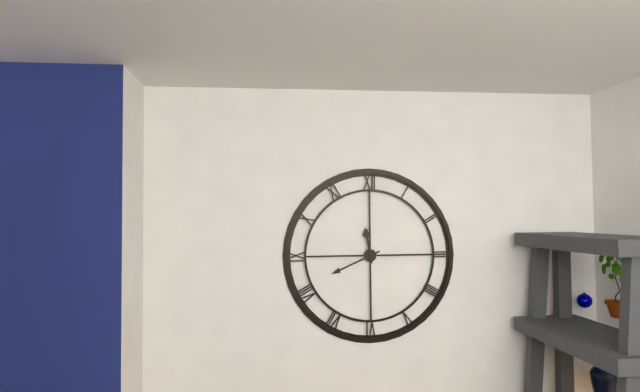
11:41
